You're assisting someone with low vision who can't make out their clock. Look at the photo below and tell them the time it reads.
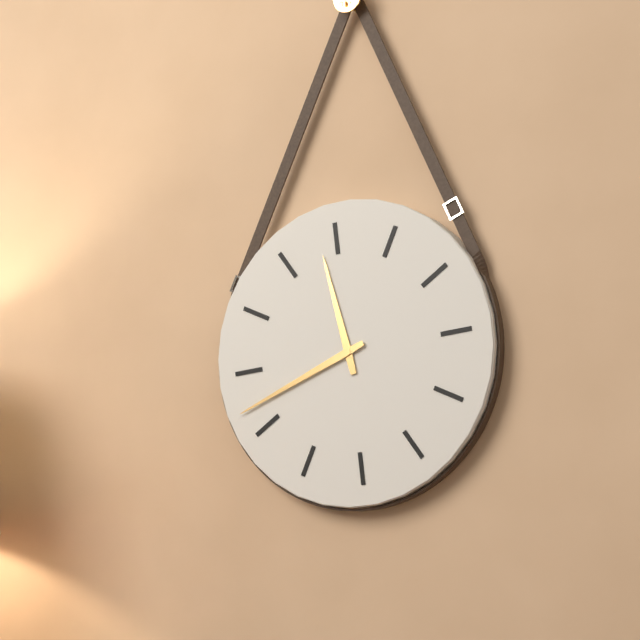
11:42
